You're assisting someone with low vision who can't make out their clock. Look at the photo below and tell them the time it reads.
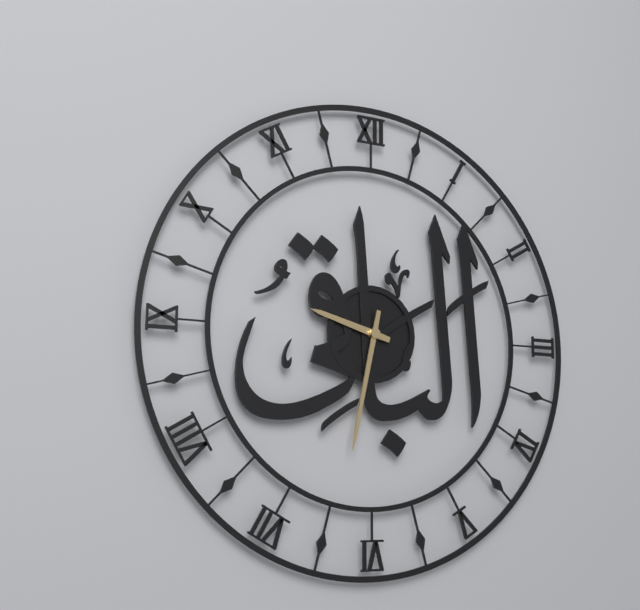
9:32
